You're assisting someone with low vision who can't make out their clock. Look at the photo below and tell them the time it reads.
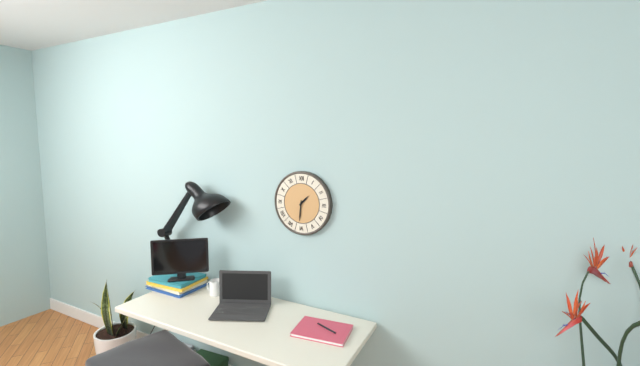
1:31
